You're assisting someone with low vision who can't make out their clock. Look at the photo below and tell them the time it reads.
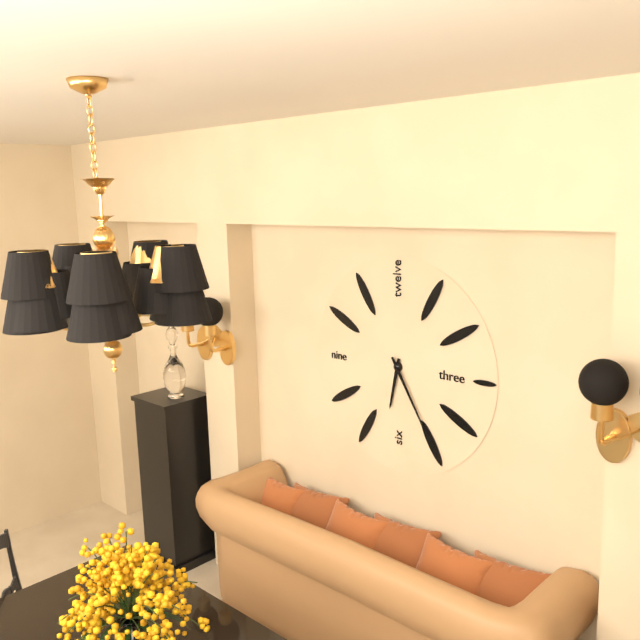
6:25
